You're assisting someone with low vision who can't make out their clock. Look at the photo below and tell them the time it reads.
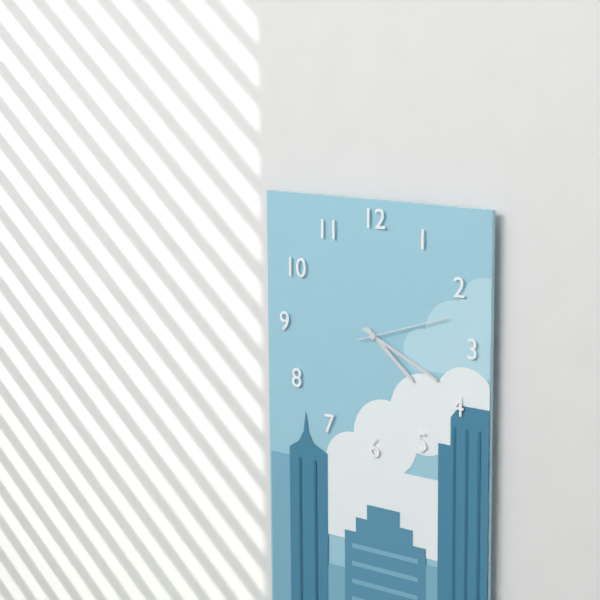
4:19:12
